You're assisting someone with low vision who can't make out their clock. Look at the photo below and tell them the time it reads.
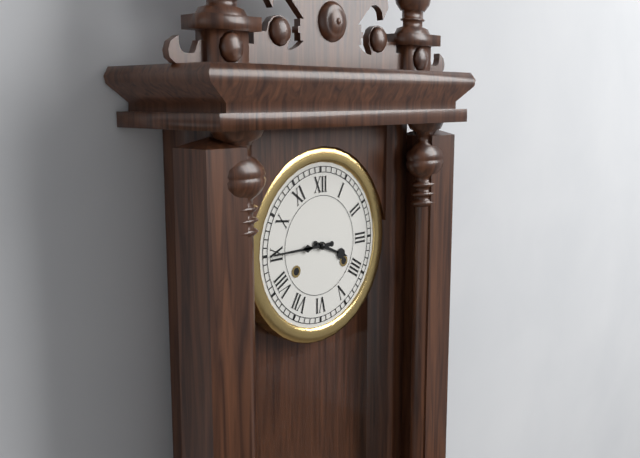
3:45
